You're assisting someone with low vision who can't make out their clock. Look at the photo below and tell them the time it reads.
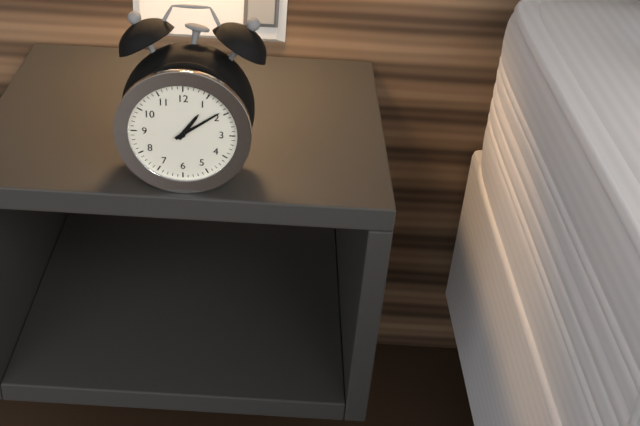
1:09
